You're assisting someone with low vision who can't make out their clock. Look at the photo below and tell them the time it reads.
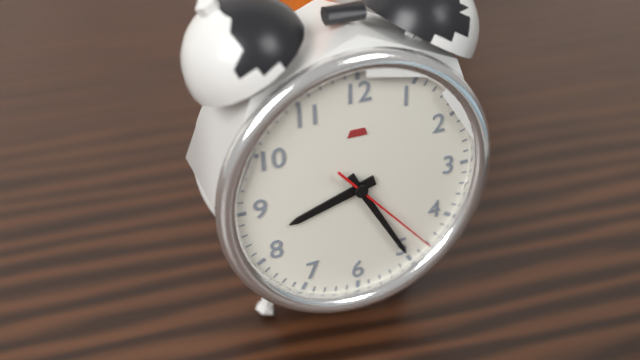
8:25:23
